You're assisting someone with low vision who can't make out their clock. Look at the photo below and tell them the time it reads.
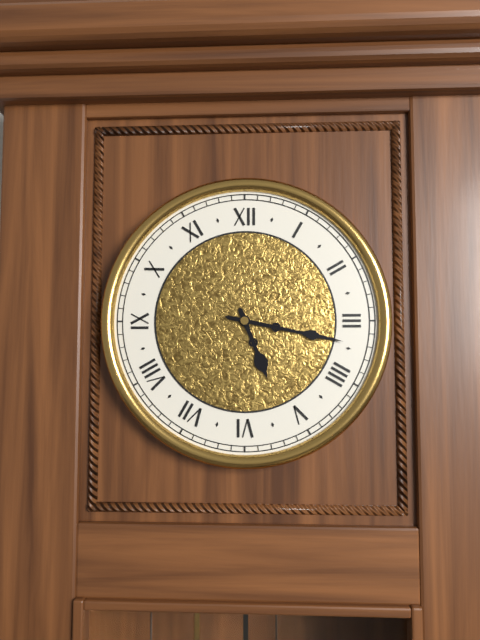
5:17
